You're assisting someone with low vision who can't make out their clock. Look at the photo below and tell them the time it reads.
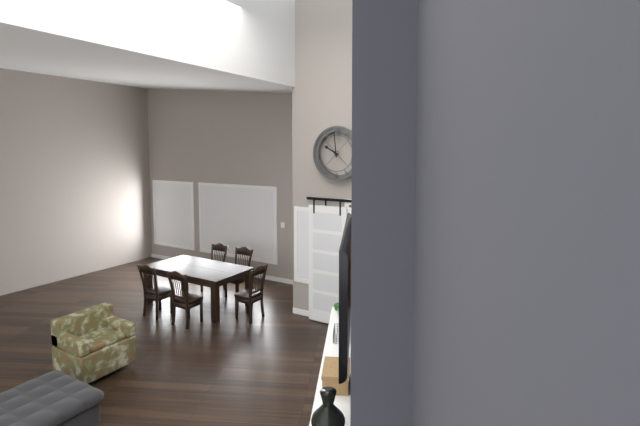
9:59
